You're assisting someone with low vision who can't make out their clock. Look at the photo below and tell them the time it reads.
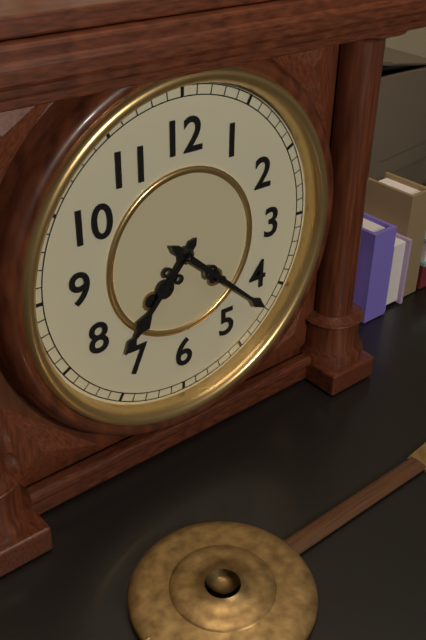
7:22
